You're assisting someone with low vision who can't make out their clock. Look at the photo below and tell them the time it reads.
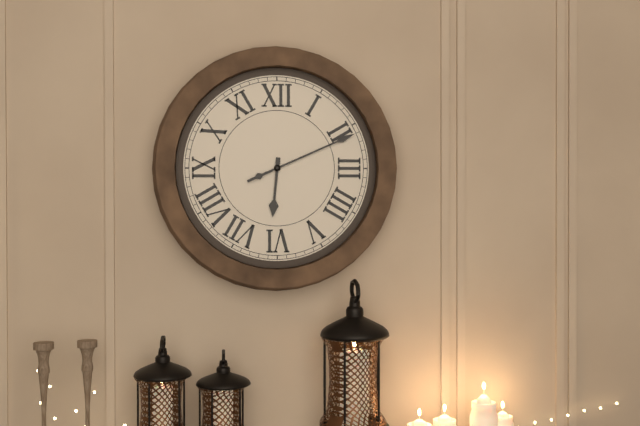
6:11
